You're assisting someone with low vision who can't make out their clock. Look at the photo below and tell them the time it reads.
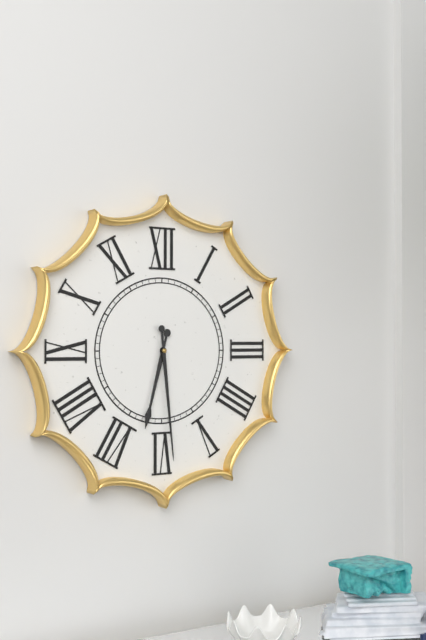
6:29
